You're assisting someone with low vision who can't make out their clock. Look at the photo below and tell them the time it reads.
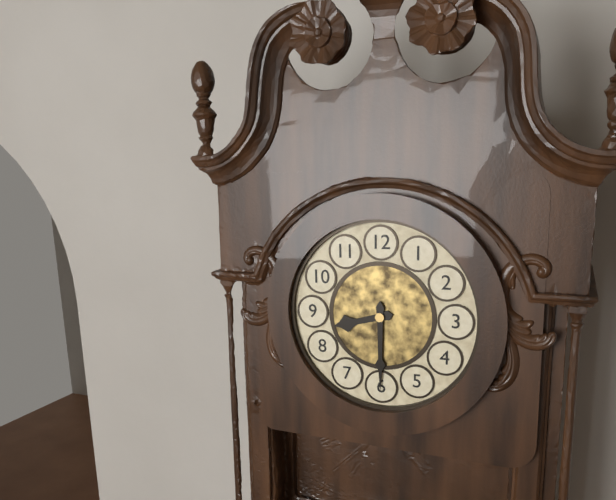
8:30
